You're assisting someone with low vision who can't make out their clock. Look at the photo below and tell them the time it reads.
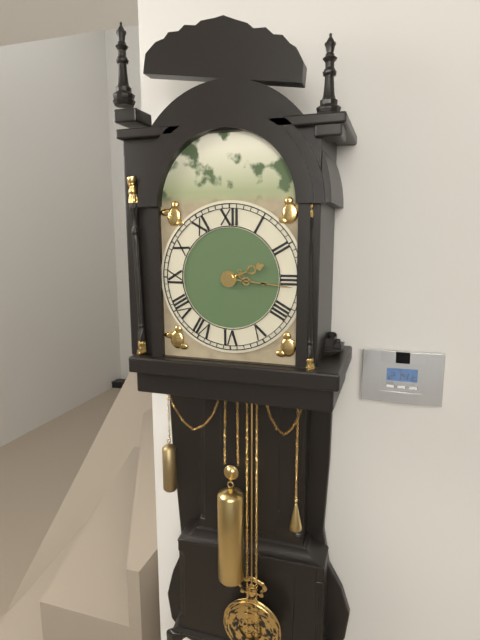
2:16
